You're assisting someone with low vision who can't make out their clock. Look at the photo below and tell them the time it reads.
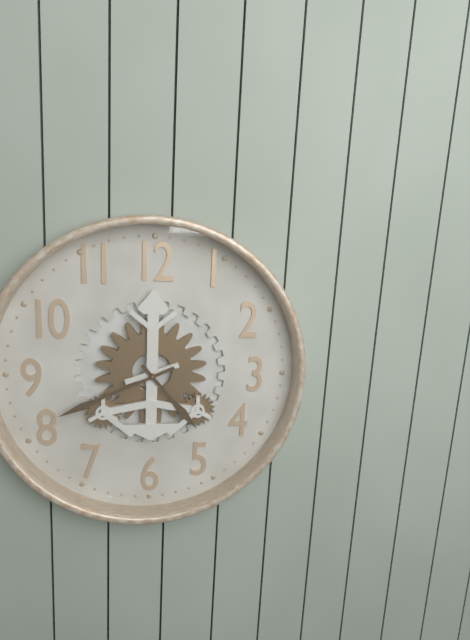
4:41
